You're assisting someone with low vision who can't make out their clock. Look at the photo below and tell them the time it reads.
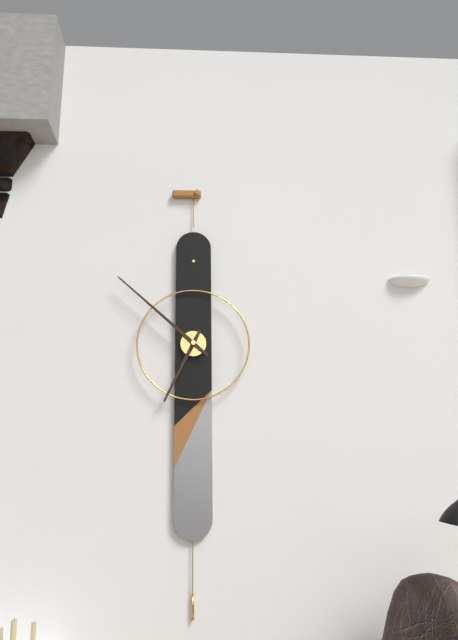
6:52
